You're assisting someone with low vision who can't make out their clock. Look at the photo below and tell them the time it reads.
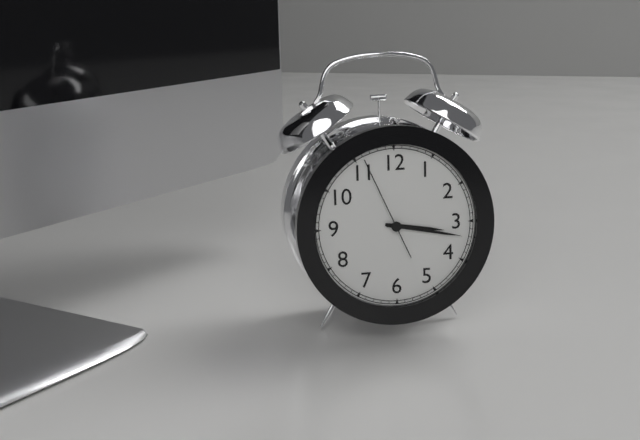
3:17:56
